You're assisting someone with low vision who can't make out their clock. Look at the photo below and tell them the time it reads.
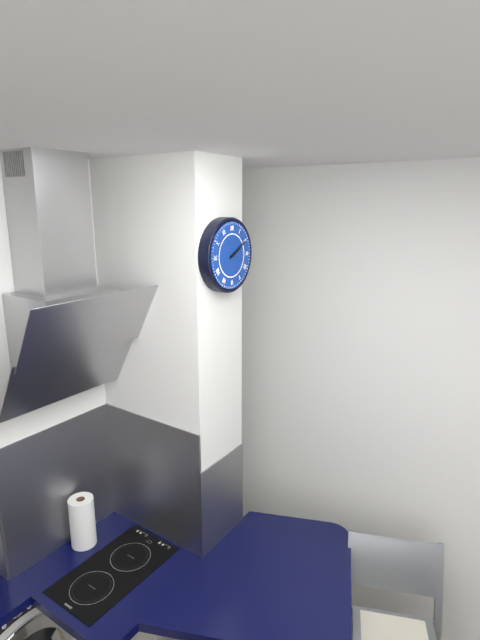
2:10
